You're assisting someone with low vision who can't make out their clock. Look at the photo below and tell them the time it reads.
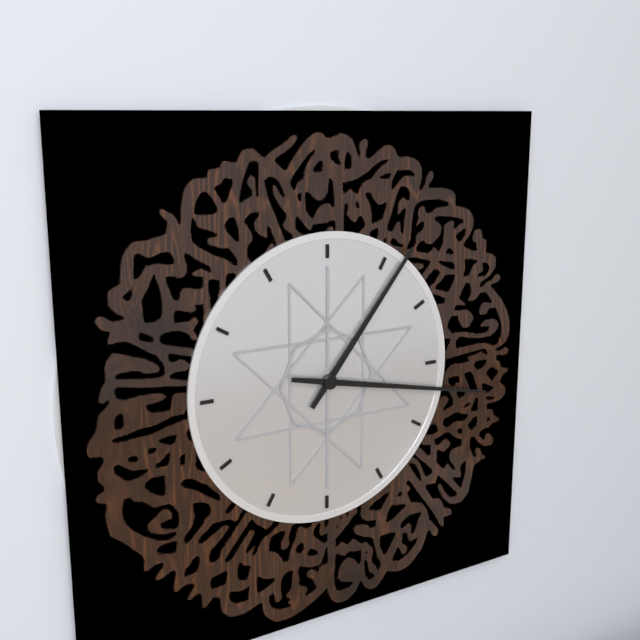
1:17
